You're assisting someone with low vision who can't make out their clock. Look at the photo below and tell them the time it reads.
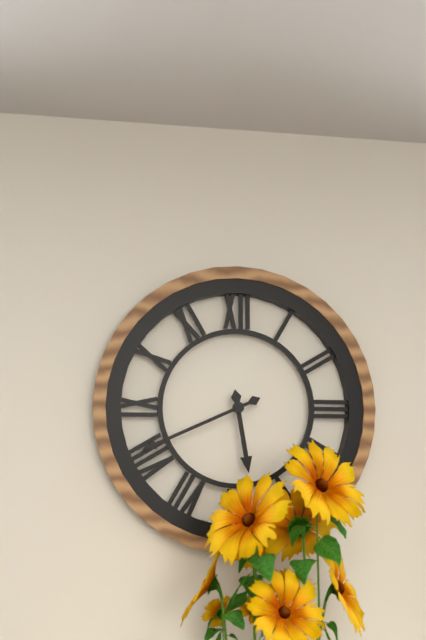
5:41
